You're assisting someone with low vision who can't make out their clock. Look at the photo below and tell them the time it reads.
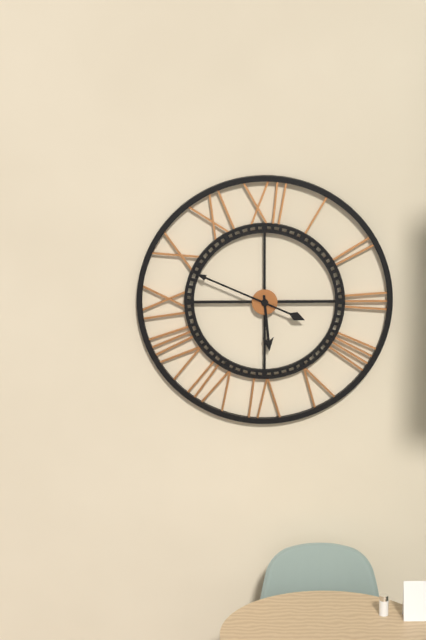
5:49
